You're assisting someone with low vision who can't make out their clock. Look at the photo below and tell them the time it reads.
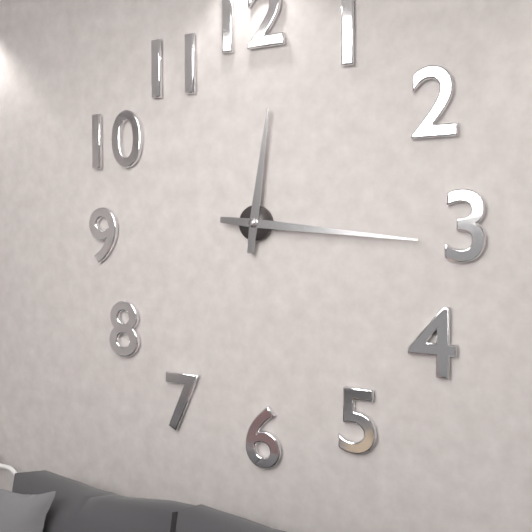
12:16
